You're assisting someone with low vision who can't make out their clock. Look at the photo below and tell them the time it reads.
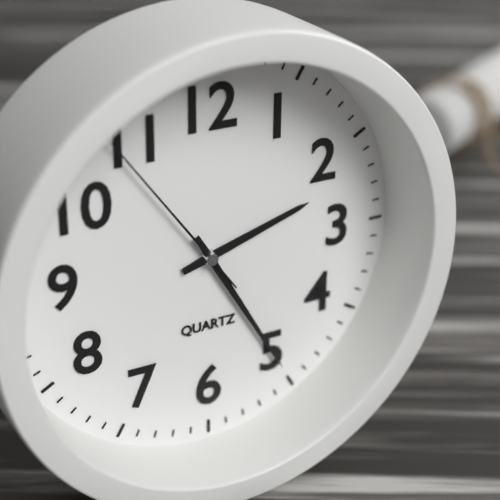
2:25:54
